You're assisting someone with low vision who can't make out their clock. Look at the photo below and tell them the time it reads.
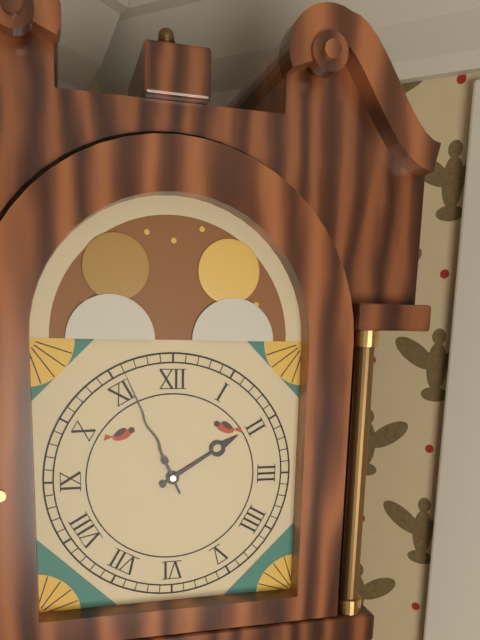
1:56
